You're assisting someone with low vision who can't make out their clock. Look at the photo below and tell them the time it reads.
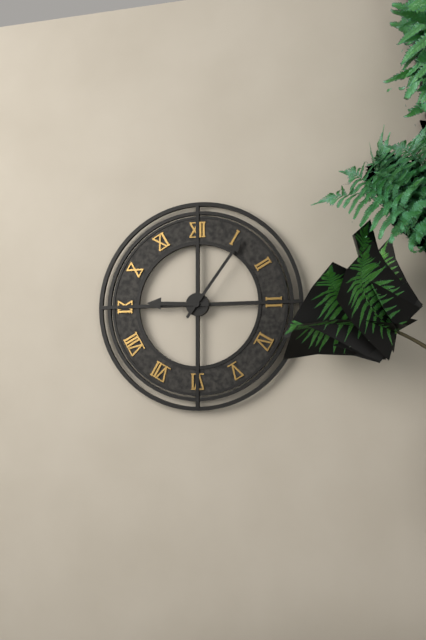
9:06
